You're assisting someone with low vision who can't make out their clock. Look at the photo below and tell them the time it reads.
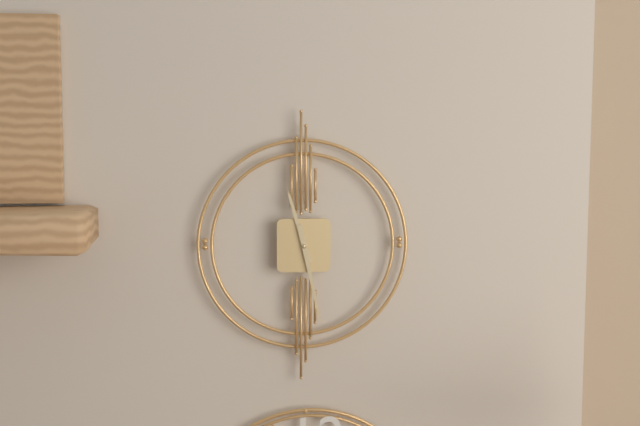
11:28
